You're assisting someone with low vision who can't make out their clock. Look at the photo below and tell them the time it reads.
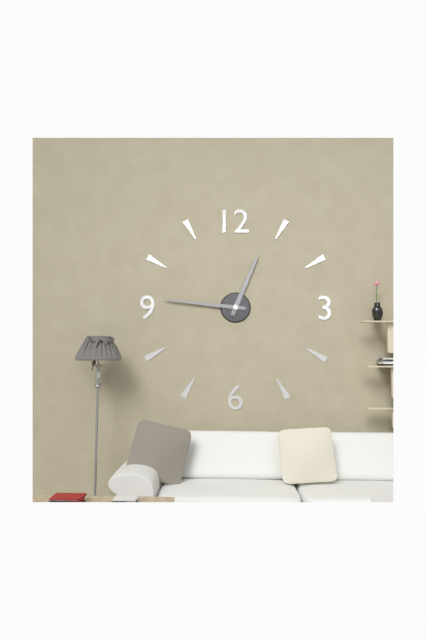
12:46
